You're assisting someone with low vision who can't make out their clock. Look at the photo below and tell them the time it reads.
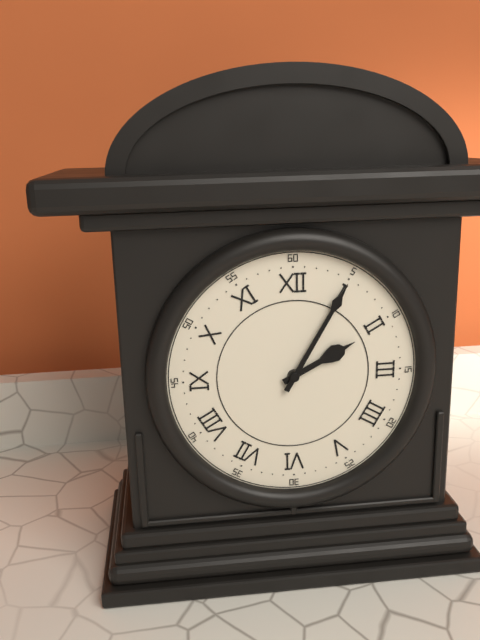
2:05
